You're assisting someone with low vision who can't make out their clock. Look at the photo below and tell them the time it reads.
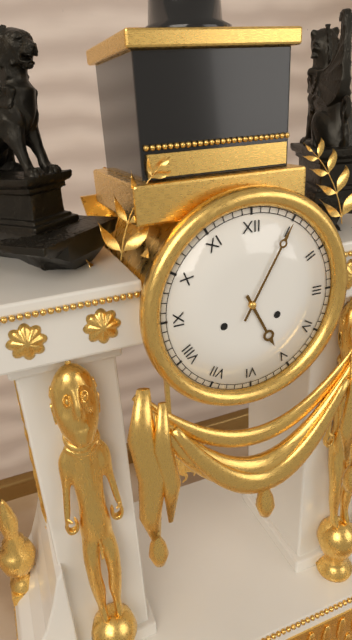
5:05
